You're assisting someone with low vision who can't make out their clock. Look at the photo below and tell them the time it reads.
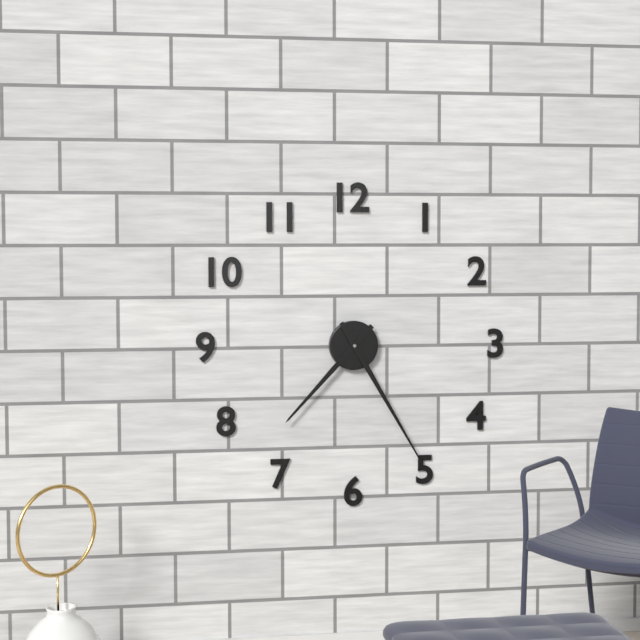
7:25
